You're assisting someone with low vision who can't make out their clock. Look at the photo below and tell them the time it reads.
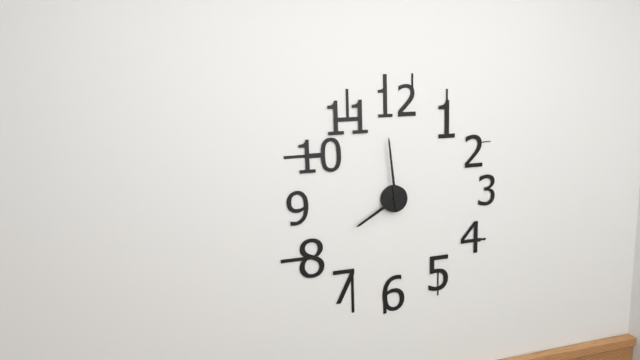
7:59
